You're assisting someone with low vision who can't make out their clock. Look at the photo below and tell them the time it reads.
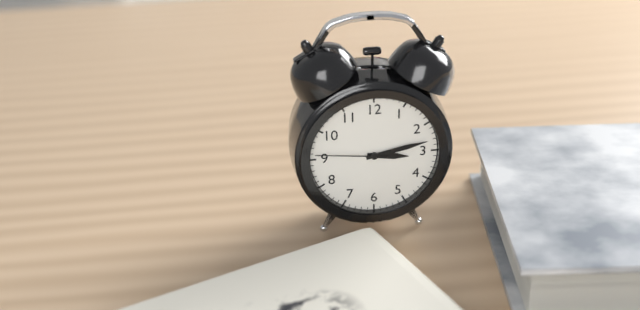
3:13:46
